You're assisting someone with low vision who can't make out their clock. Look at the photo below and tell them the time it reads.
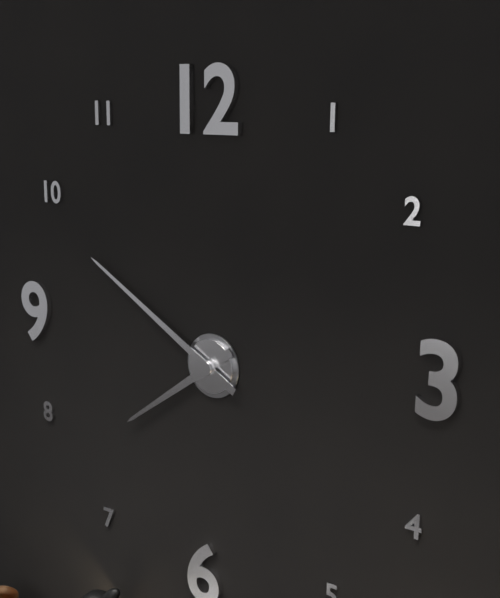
7:50
